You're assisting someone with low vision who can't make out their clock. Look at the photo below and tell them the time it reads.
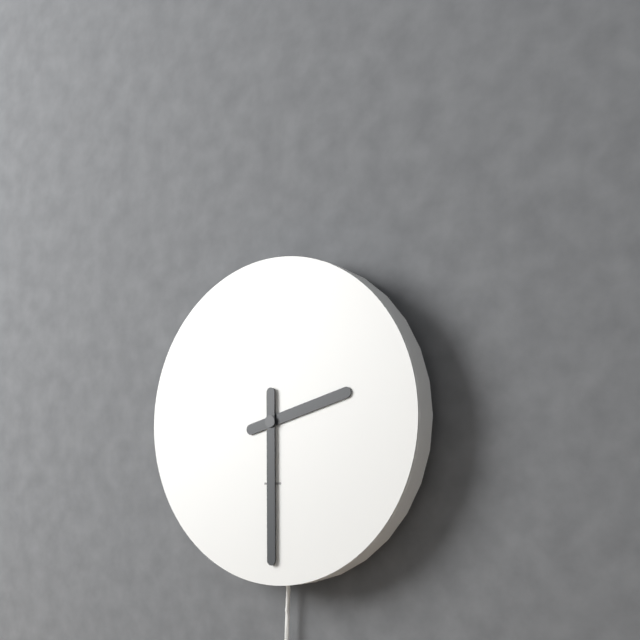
2:30
